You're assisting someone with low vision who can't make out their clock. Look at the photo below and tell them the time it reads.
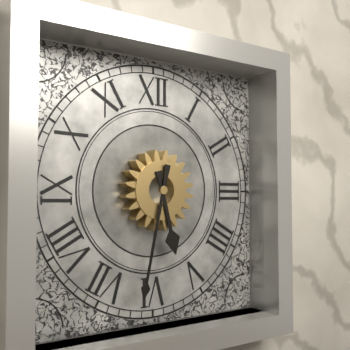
5:32
